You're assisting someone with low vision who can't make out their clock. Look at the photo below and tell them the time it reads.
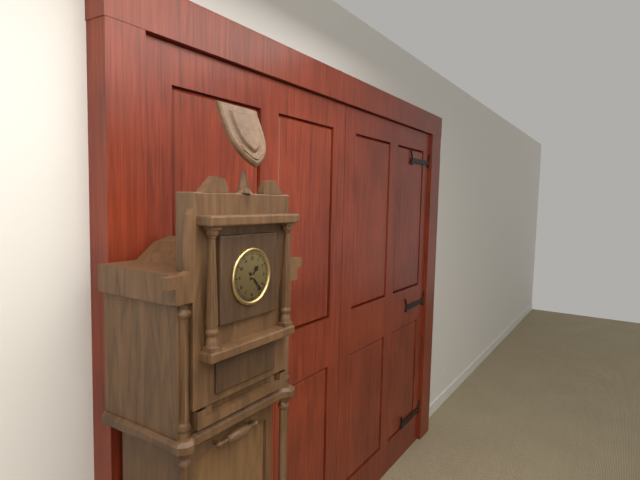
1:23
